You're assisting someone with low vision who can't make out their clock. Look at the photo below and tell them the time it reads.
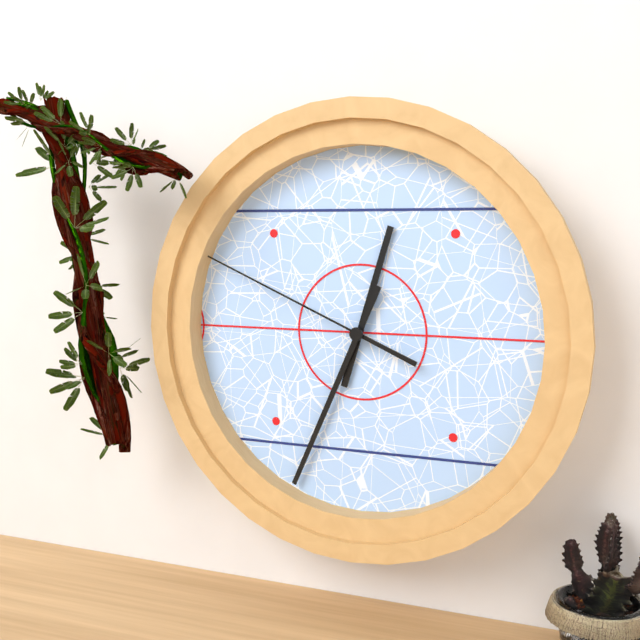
12:34:49
